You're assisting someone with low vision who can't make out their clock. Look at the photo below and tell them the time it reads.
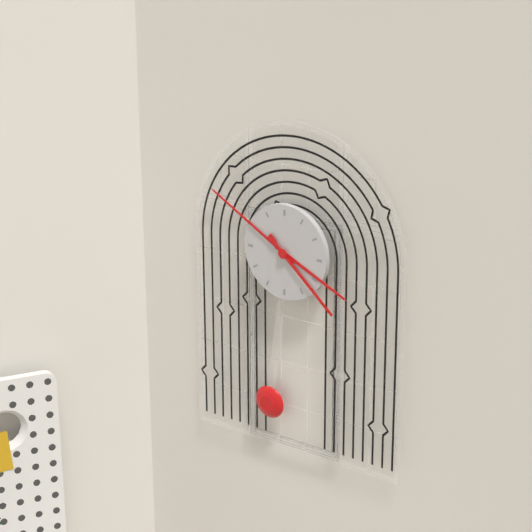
3:50:22
